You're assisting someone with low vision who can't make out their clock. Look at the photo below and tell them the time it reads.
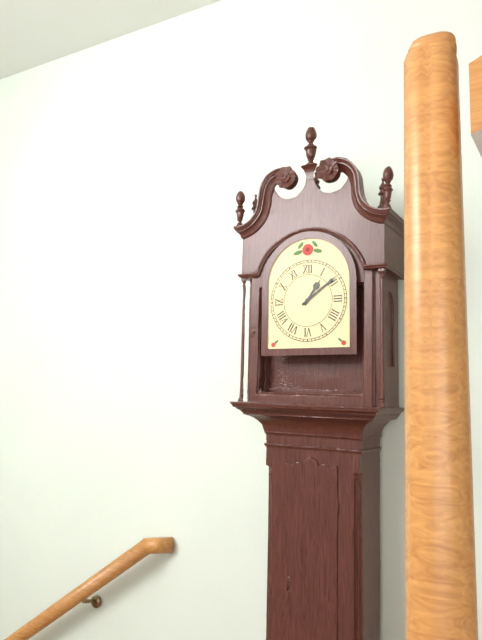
1:09
